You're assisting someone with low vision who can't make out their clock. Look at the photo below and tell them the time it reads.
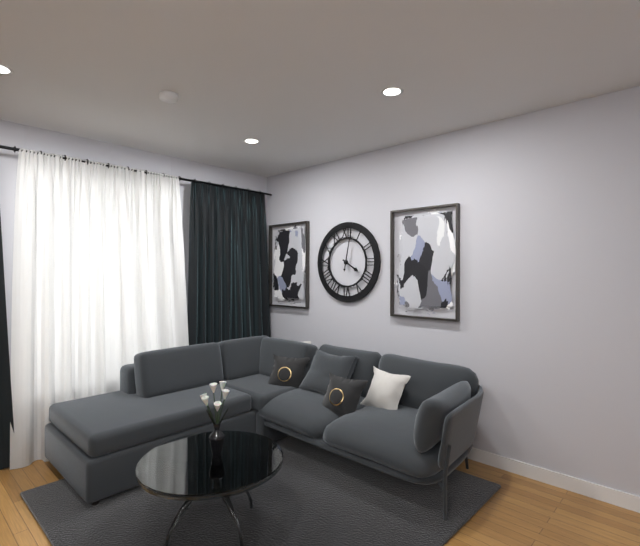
4:02
